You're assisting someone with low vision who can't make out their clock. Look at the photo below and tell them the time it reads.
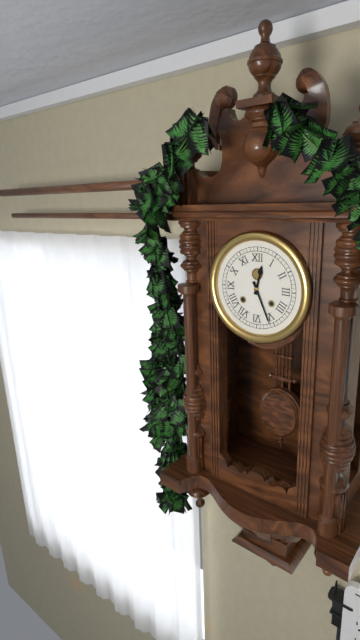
12:26
